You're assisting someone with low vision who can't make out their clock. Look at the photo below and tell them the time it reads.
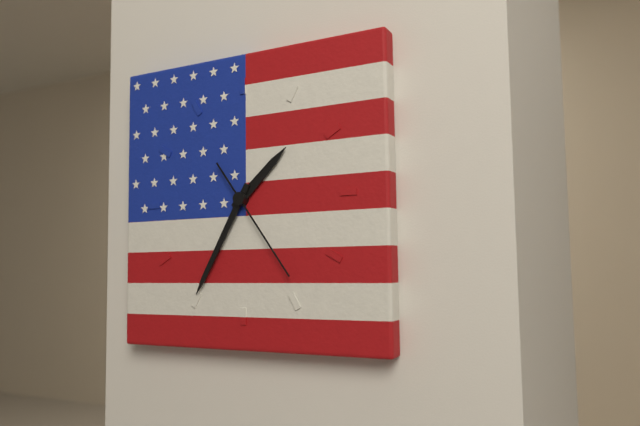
1:35:24
